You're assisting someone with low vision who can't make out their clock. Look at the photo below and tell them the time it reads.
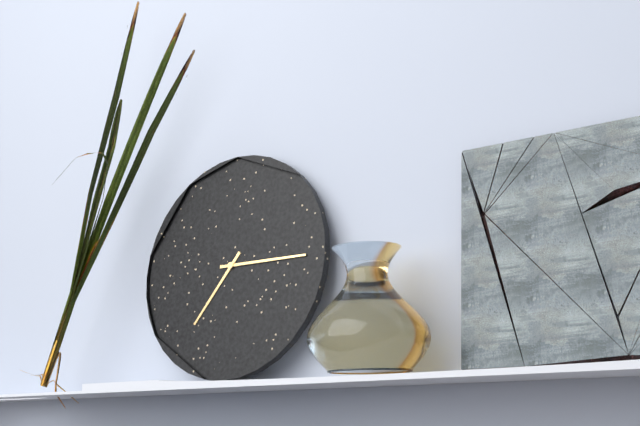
7:15
